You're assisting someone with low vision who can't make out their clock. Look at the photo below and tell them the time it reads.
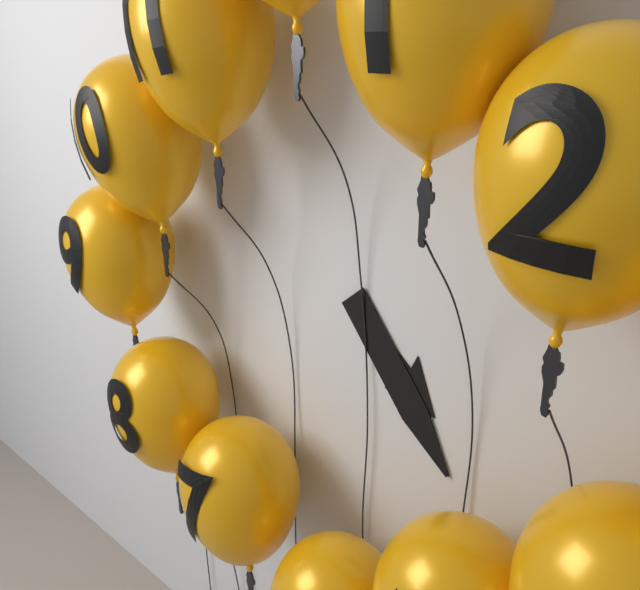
4:24
